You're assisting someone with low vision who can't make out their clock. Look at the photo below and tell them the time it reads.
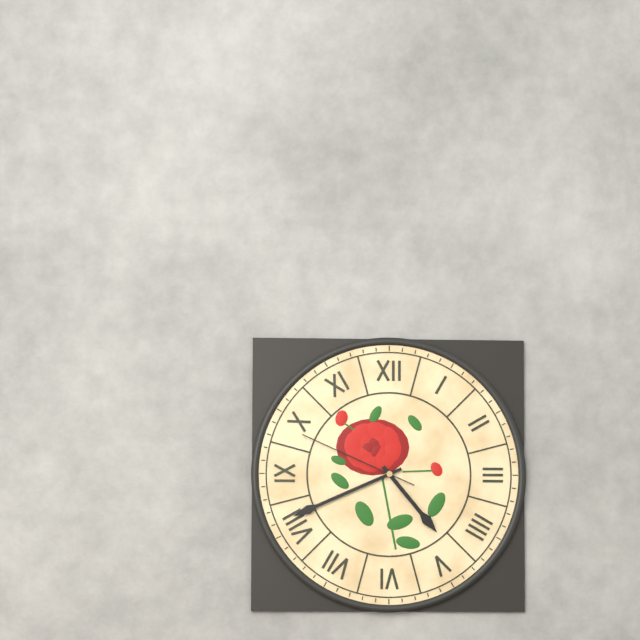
4:41:49
